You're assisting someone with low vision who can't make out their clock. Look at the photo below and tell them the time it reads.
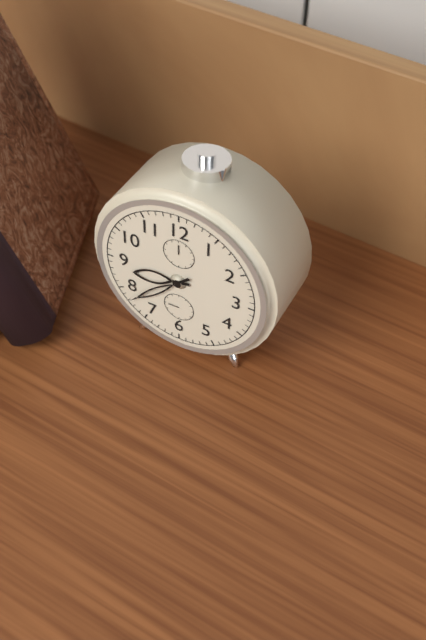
8:38
